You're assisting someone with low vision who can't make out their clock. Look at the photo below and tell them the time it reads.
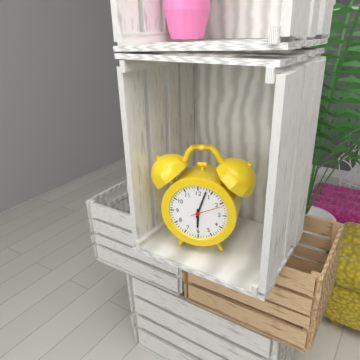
6:03
